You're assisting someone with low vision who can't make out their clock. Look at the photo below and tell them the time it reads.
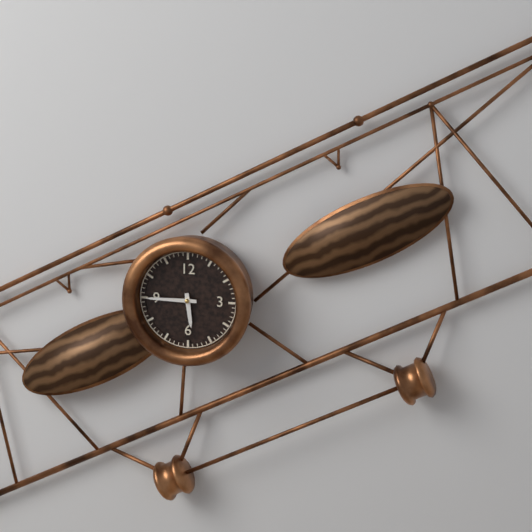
5:45
